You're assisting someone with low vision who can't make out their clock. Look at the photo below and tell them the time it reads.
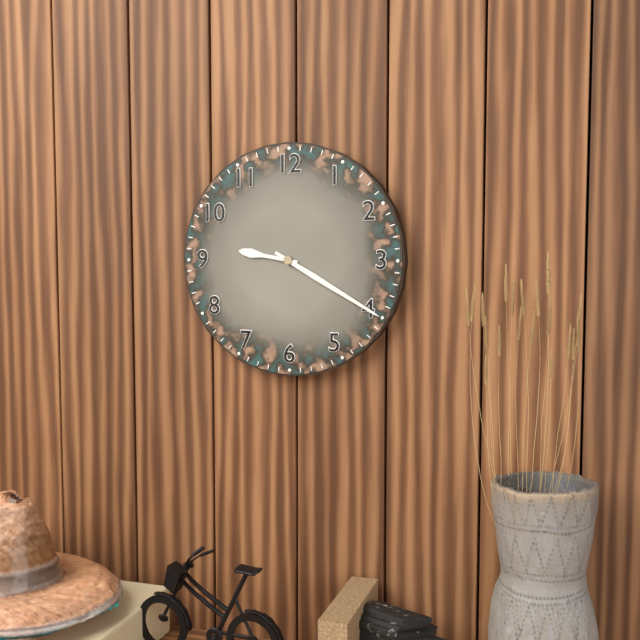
9:20
